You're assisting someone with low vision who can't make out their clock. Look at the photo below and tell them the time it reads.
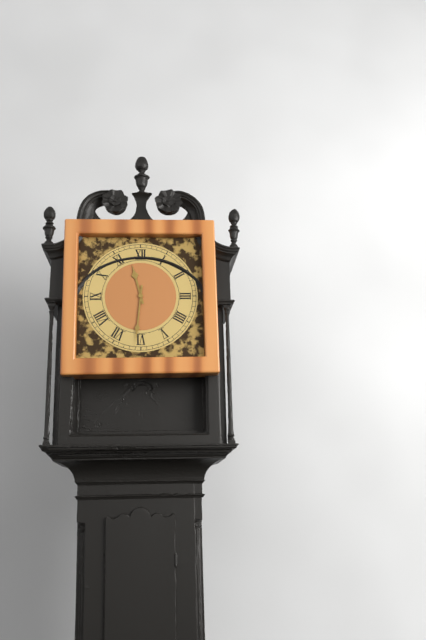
11:31
